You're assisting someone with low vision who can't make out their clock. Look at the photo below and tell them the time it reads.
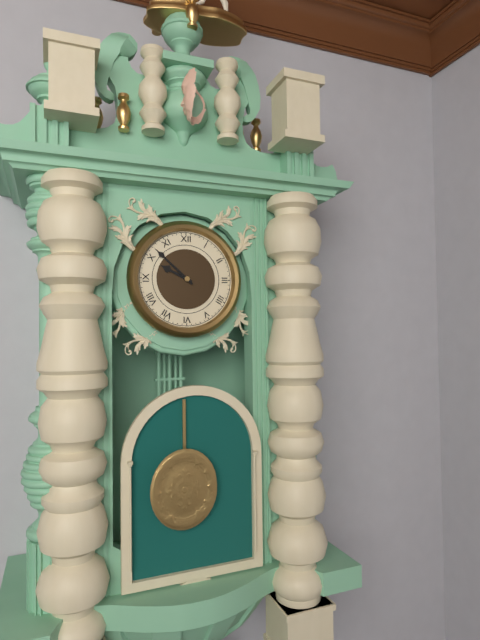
9:52
